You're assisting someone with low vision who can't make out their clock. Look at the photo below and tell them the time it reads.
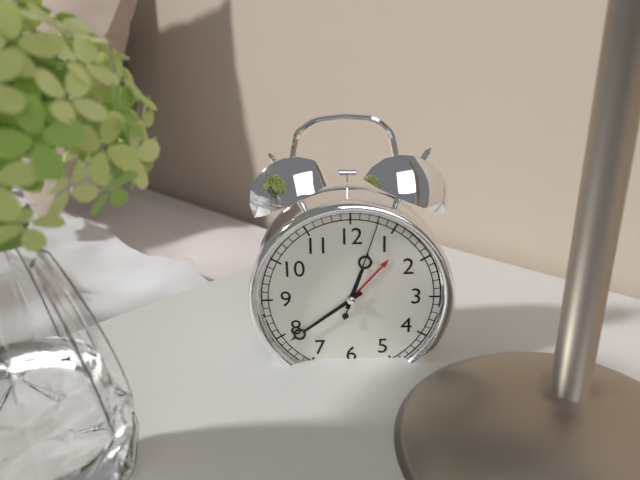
12:39:03
